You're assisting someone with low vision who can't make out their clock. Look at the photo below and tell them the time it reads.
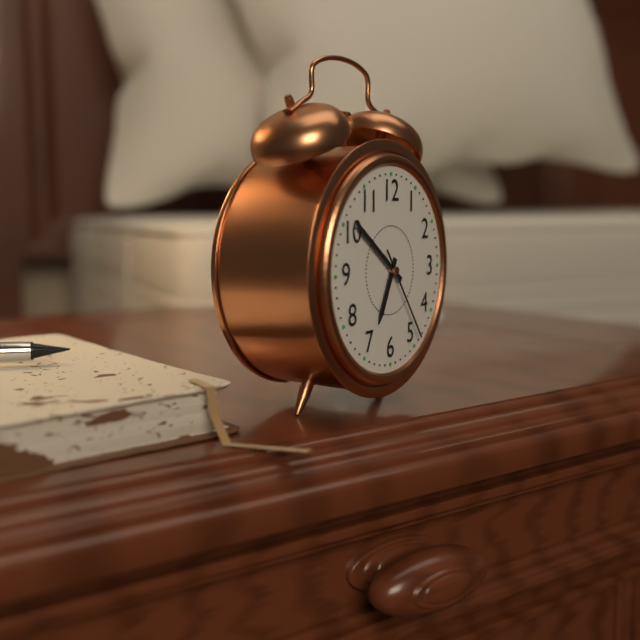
6:51:24
